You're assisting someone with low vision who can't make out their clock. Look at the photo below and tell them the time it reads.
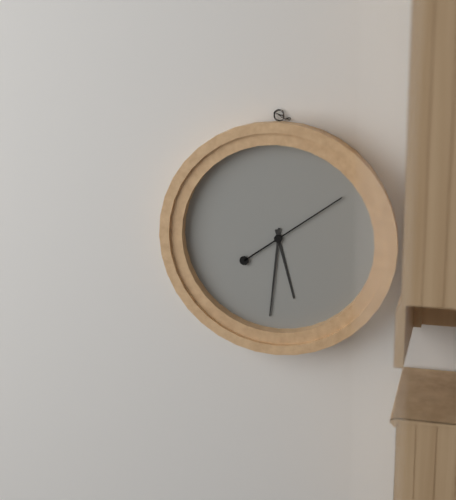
5:31:09
